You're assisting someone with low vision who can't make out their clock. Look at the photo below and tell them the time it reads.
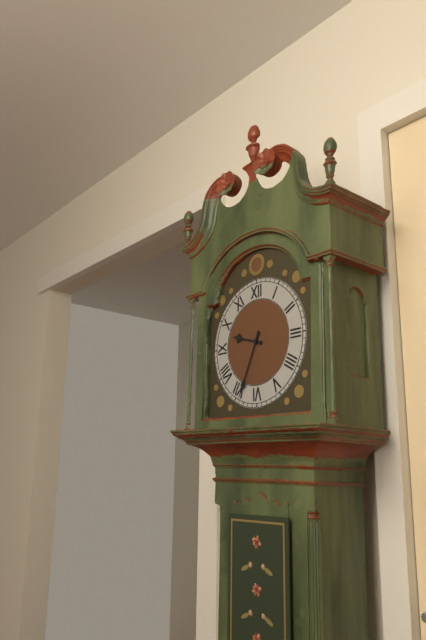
9:34
